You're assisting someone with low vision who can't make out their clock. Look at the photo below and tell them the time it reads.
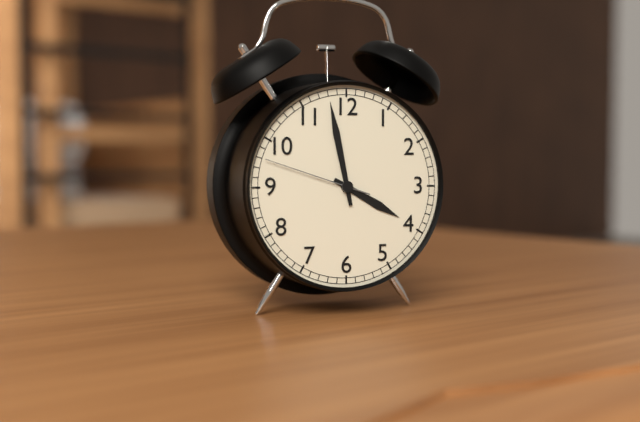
3:58:48
